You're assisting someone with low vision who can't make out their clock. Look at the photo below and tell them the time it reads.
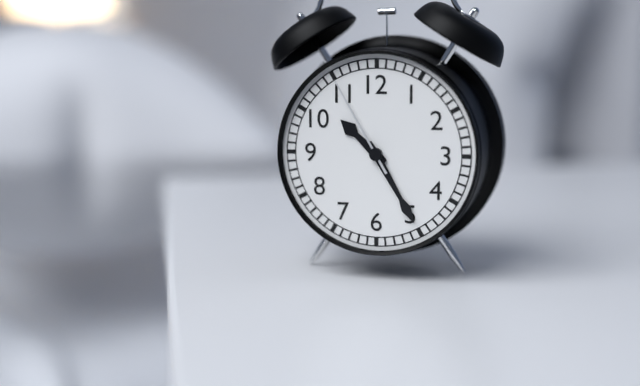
10:25:55
